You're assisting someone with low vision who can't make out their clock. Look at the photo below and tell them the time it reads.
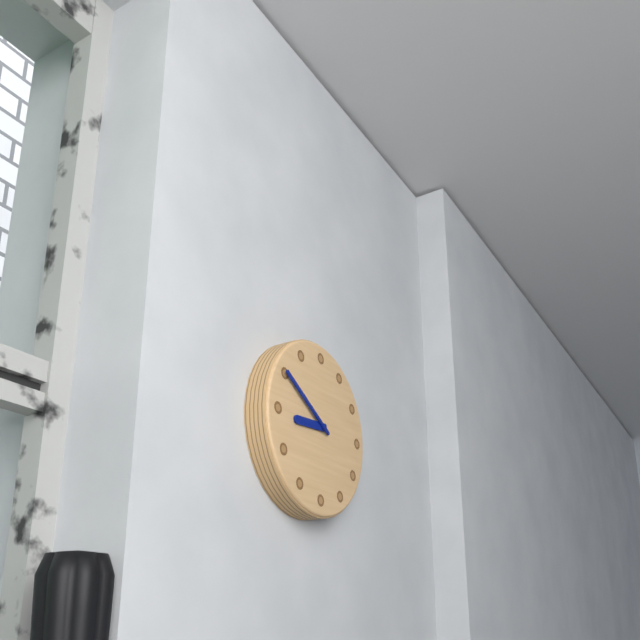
8:50
